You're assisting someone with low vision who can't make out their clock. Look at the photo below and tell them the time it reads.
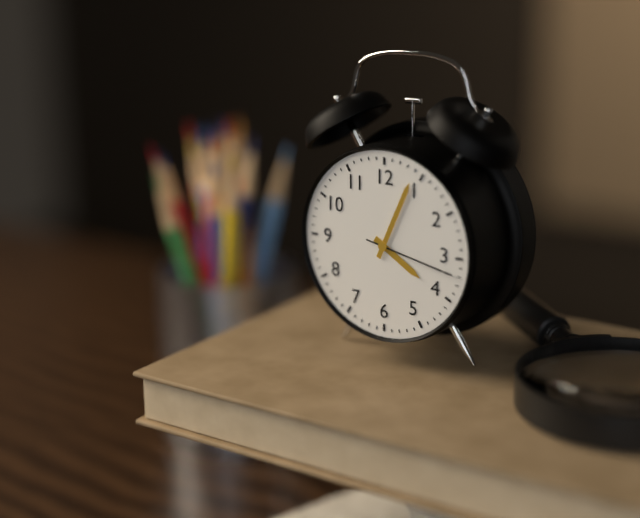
4:04:17
